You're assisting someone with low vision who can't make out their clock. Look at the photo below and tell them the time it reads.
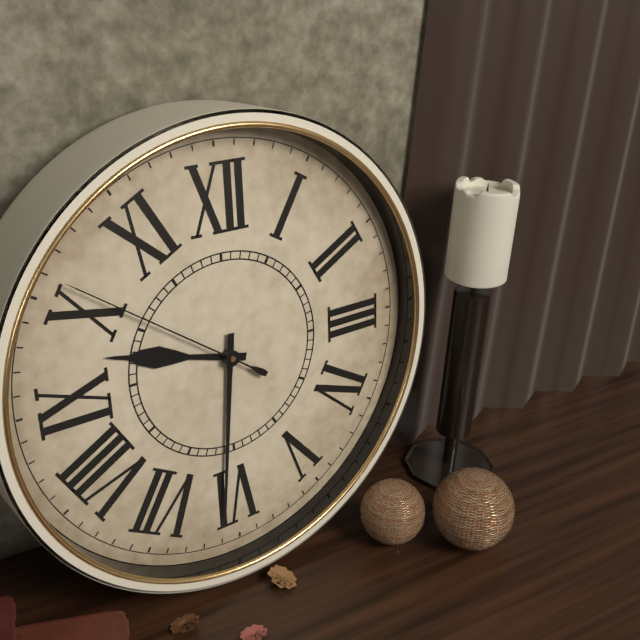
9:31:51
